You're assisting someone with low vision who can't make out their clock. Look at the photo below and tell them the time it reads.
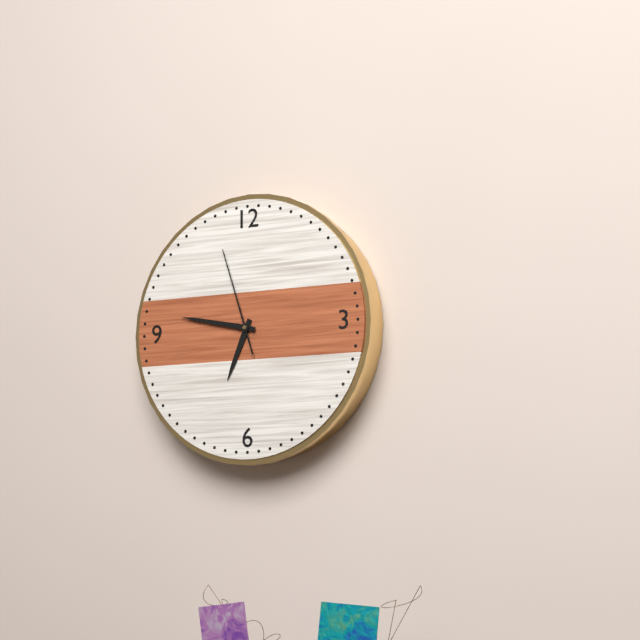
6:47:57
